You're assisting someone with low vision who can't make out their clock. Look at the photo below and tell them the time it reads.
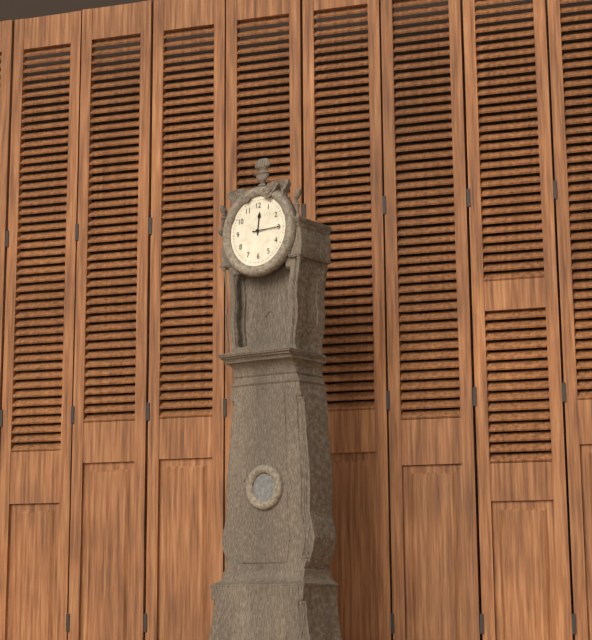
12:15
